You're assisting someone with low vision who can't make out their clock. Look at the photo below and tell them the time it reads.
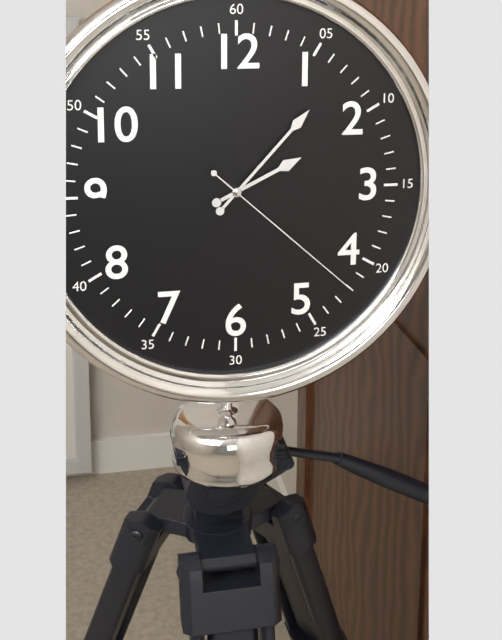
2:07:22
